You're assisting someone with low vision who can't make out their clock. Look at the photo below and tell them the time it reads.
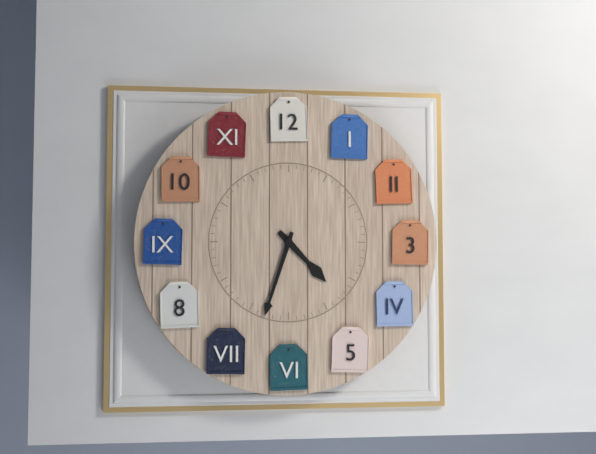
4:33
